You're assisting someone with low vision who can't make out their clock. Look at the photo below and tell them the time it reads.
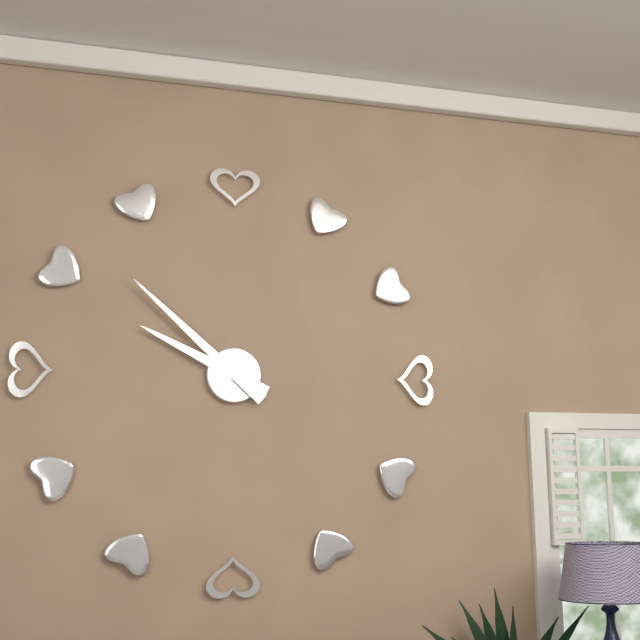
9:52
